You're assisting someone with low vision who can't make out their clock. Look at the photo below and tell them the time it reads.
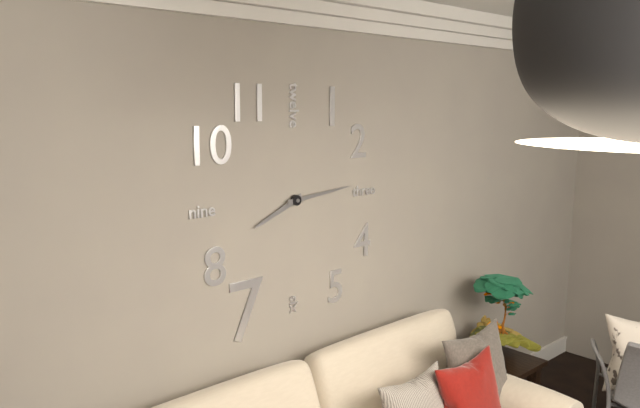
8:14
